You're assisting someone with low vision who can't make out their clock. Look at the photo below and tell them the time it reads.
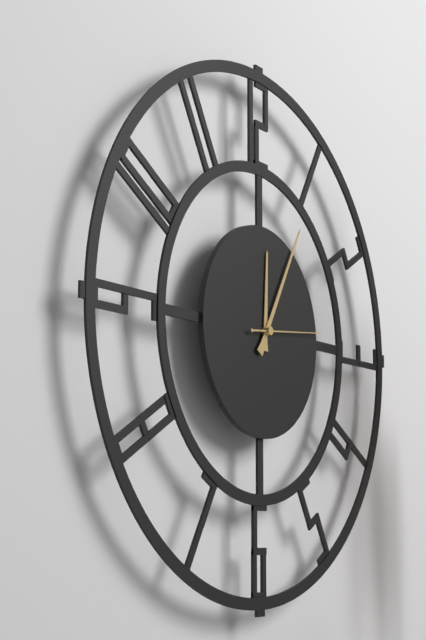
12:05:14
